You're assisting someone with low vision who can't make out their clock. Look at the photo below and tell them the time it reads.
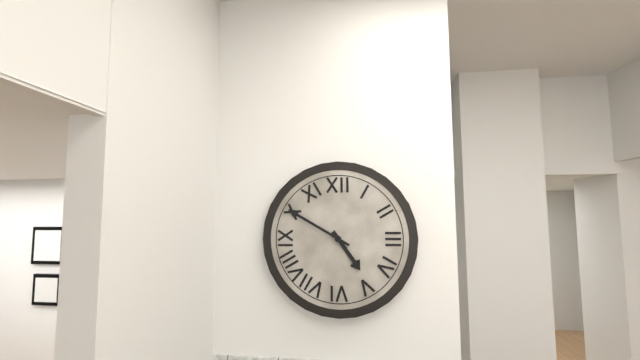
4:50
